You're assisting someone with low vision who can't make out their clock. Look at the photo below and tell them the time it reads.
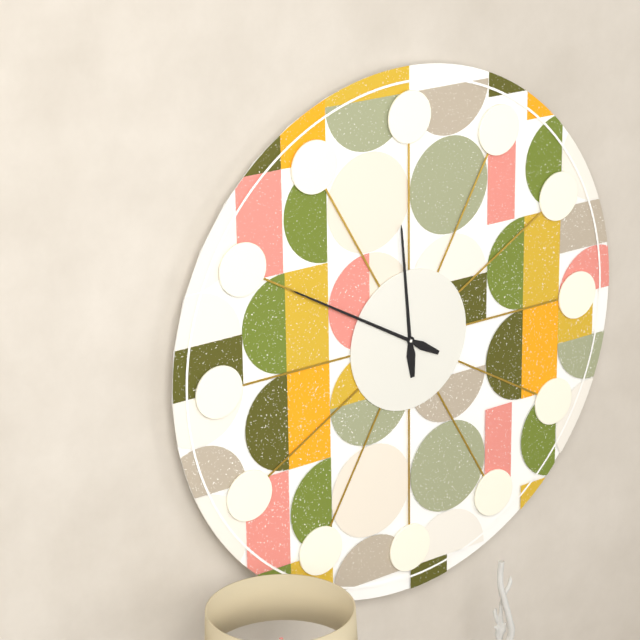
11:50
